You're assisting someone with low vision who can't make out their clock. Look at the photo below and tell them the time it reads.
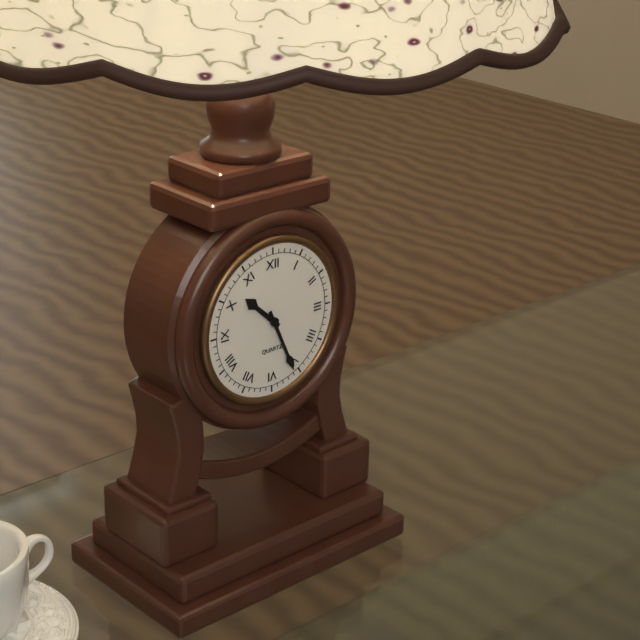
10:26
